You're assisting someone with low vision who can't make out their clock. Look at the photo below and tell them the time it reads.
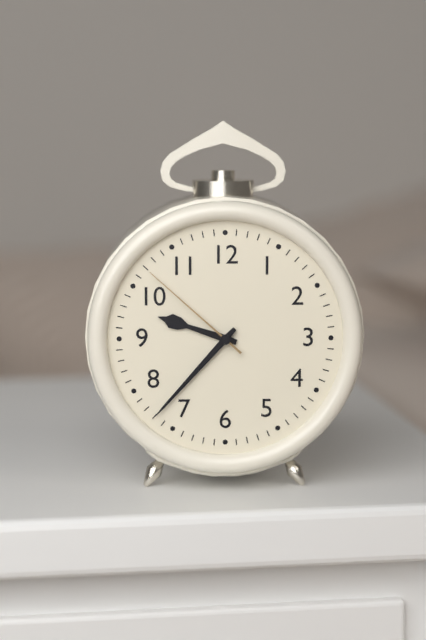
9:37:52
